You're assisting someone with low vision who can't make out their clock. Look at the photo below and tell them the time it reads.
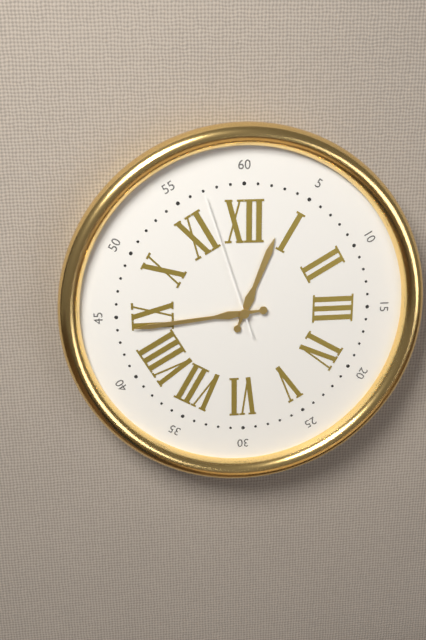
12:44:57
